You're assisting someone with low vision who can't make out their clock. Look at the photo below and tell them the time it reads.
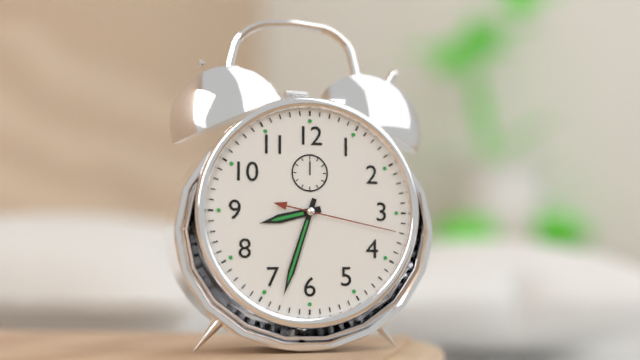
8:33:17
